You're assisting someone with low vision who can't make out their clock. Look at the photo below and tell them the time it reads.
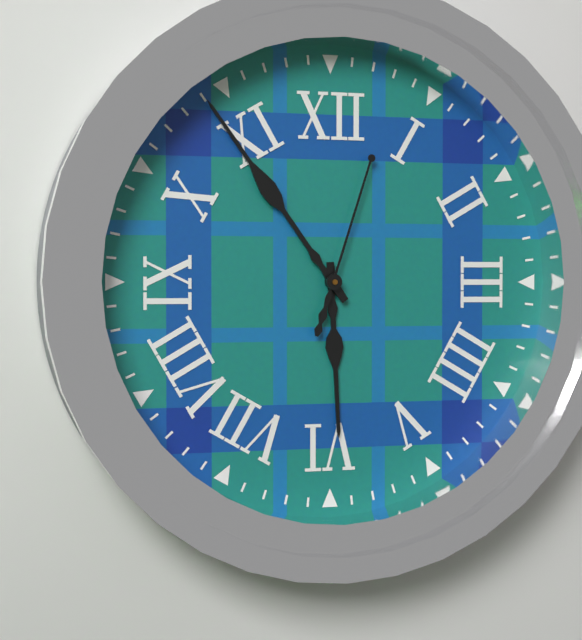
5:54:03
